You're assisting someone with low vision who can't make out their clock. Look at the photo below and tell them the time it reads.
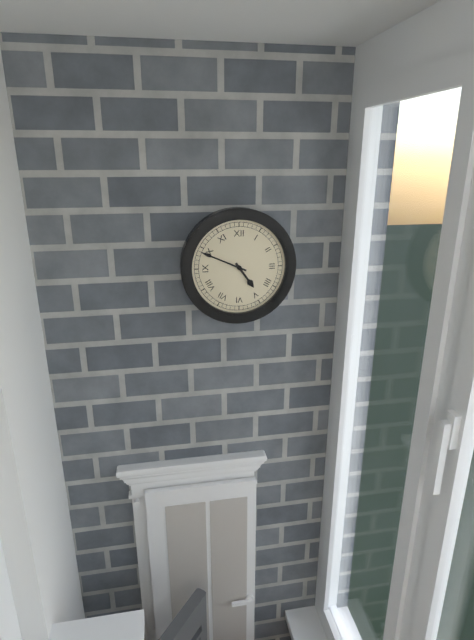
4:49
